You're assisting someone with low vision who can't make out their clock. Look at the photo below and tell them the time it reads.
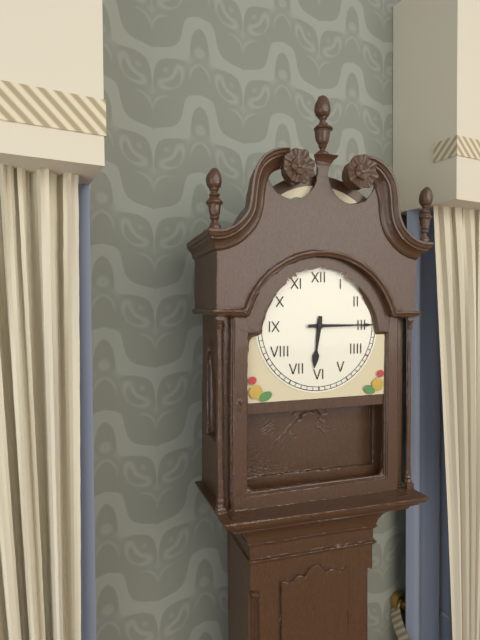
6:15
